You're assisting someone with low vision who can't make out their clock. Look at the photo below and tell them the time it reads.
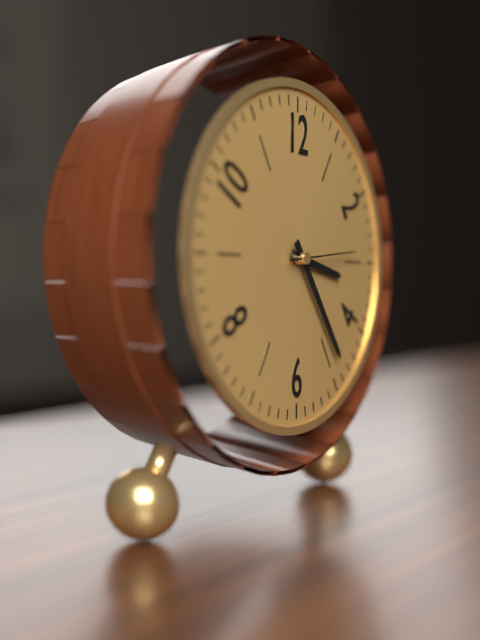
3:24:14
